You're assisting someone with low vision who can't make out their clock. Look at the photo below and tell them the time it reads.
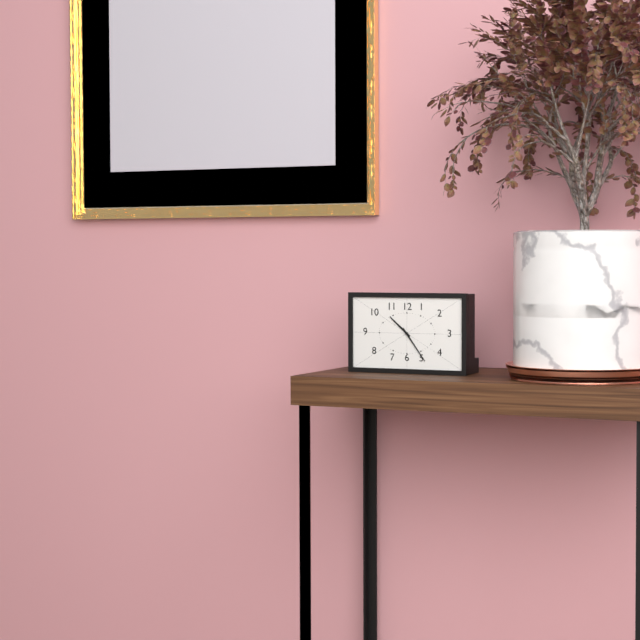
10:24
